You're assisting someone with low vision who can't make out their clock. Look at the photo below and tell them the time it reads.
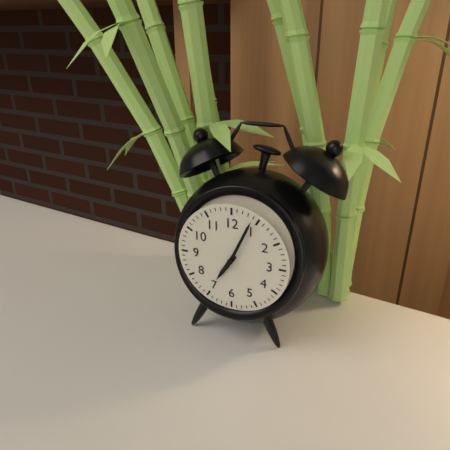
7:04
